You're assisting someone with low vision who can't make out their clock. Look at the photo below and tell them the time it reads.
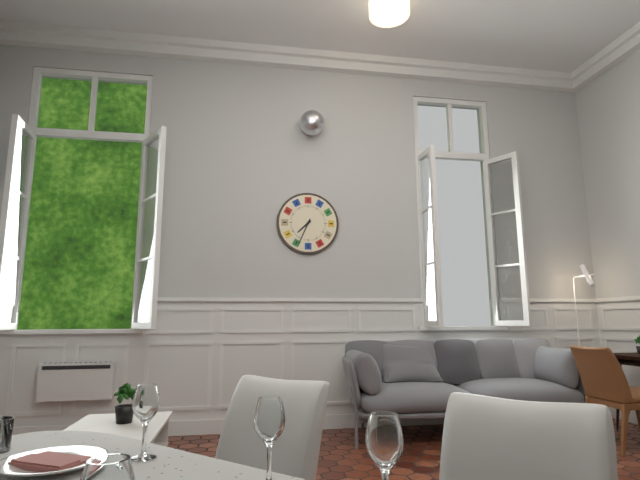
7:34
